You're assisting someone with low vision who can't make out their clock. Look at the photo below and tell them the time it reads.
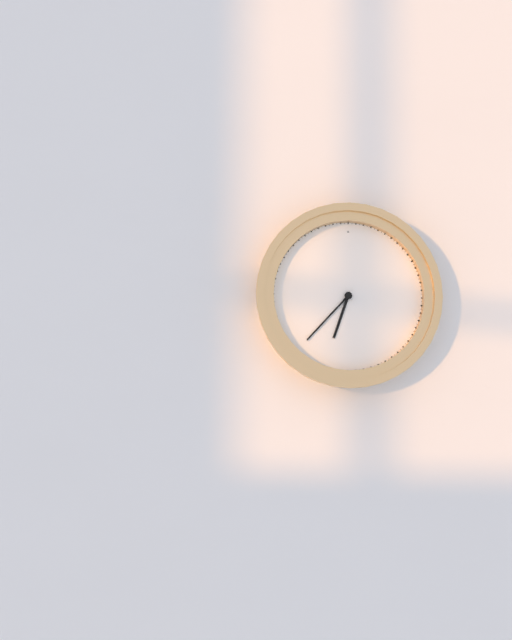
6:37
